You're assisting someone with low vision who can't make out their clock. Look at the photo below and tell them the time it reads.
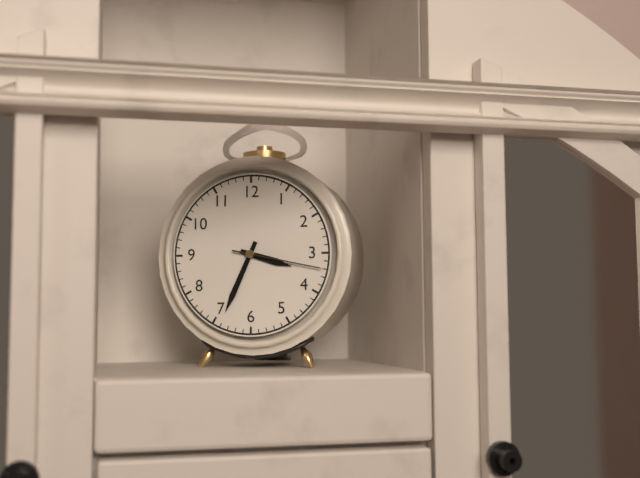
3:34:17
